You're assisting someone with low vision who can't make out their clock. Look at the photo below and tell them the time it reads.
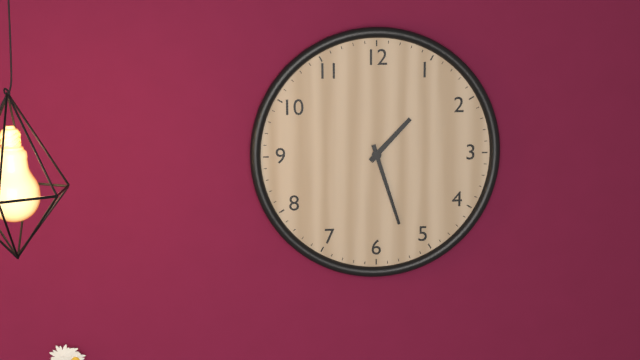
1:27
